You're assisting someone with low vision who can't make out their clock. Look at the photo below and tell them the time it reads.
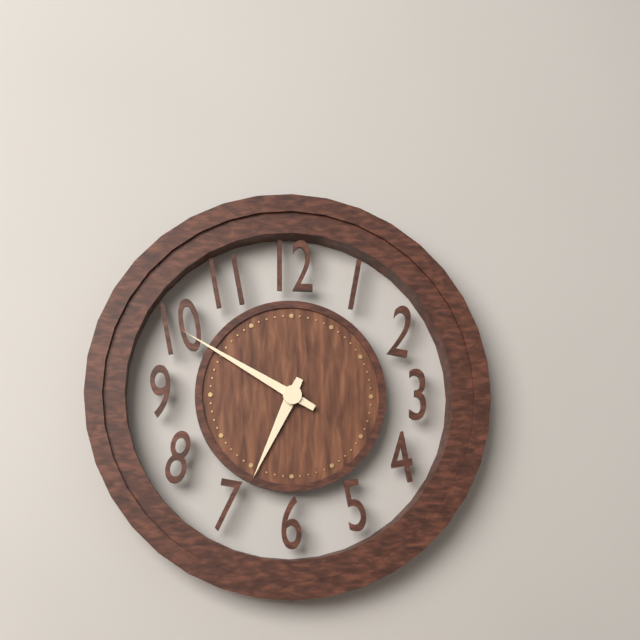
6:50
